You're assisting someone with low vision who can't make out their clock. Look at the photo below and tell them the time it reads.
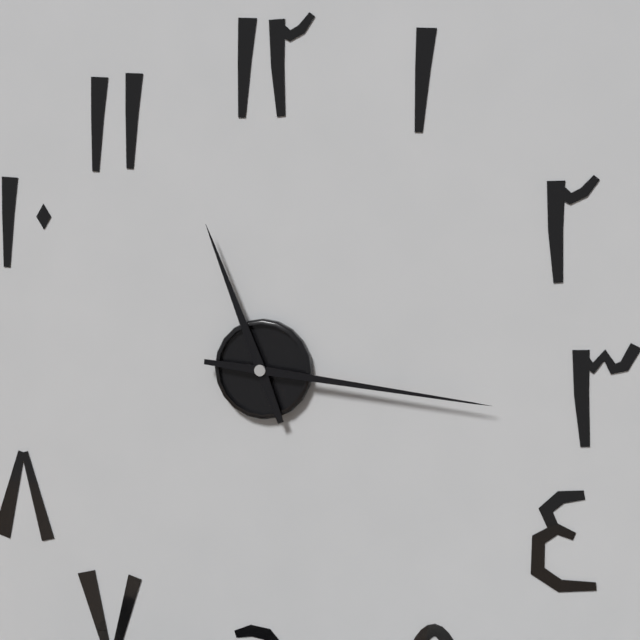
11:16
